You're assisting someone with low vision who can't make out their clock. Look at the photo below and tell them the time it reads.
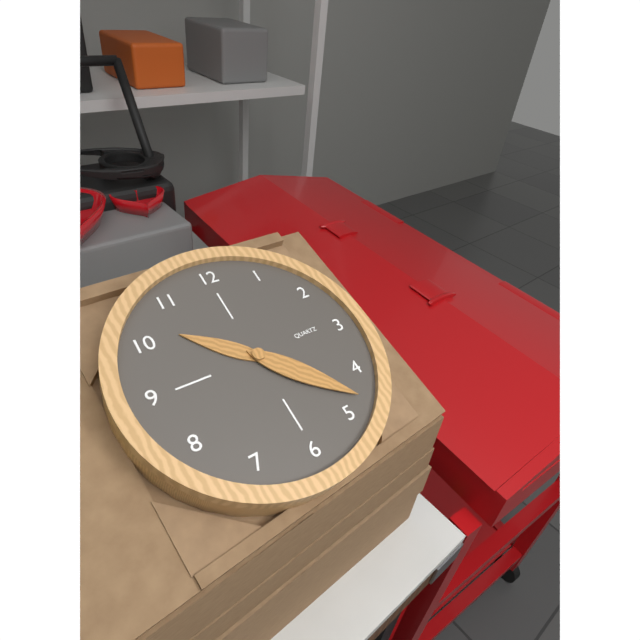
10:23
